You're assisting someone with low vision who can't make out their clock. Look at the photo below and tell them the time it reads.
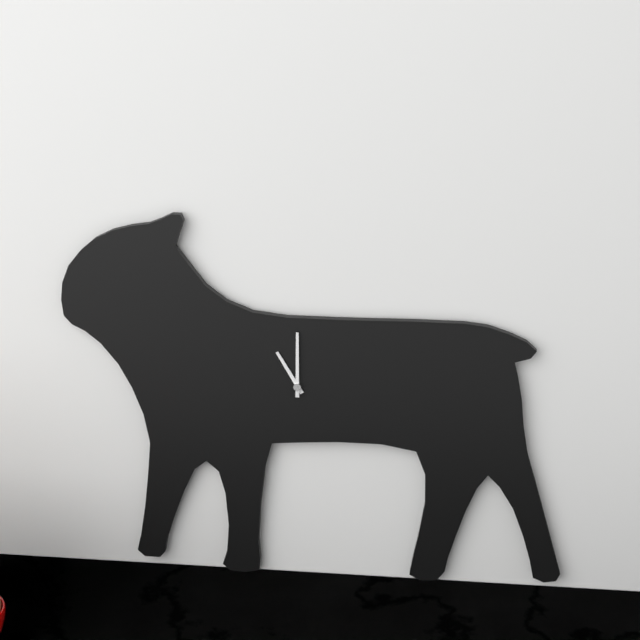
11:00
